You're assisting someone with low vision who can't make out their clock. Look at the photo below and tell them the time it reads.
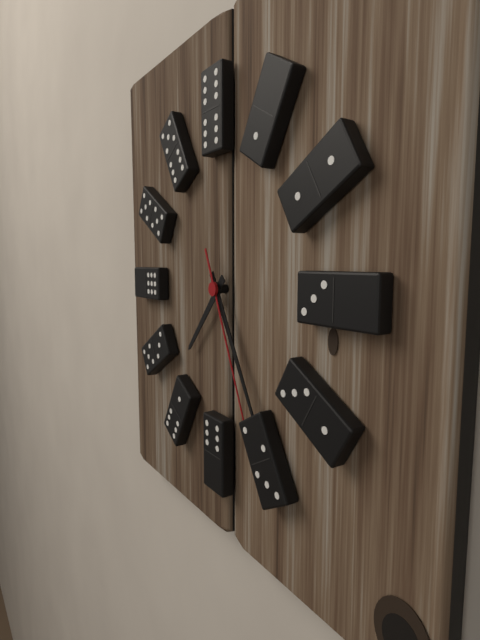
7:25:26
